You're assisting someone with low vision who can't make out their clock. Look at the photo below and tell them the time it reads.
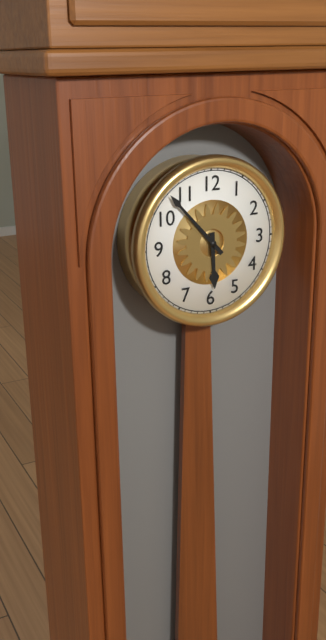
5:53
